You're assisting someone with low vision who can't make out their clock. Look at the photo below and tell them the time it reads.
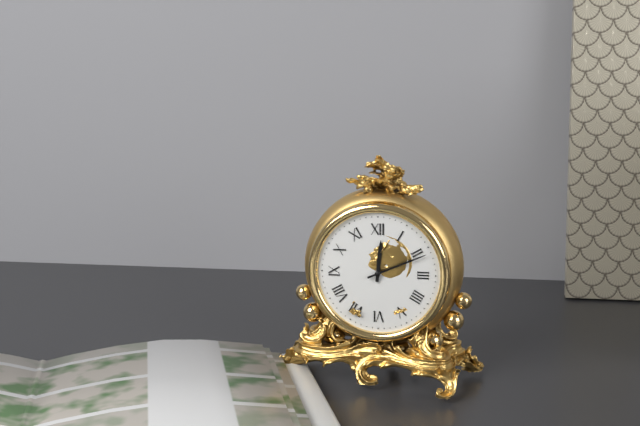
12:11
